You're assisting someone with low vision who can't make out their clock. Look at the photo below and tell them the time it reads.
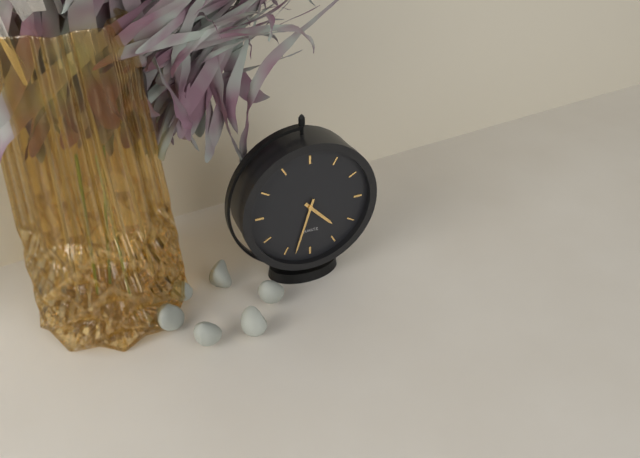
4:33
